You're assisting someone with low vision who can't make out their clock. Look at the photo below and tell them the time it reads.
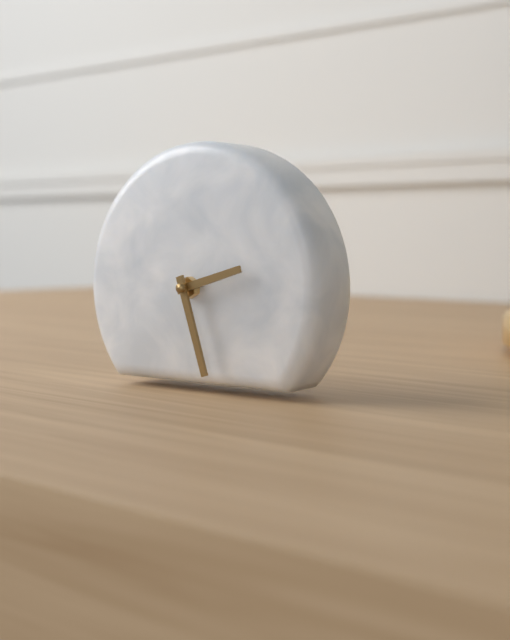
2:27
